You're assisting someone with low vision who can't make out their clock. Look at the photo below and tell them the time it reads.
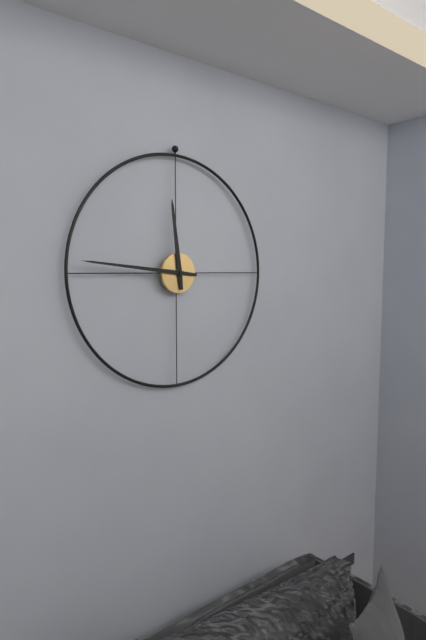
11:46
